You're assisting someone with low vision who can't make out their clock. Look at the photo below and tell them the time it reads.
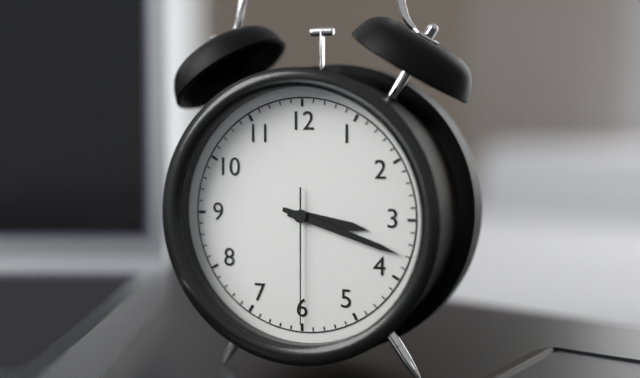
3:18:30
